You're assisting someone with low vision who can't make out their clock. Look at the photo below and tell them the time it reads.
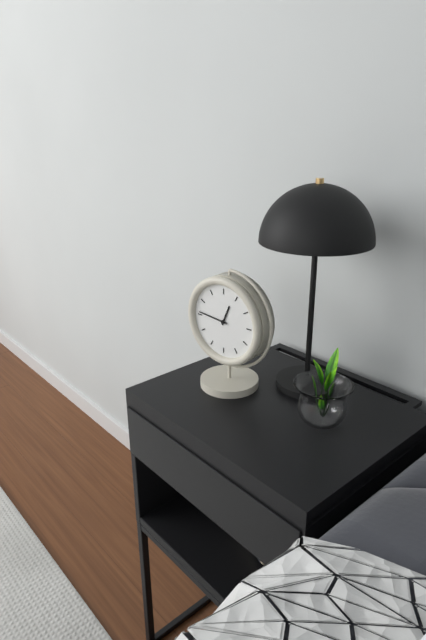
12:46
